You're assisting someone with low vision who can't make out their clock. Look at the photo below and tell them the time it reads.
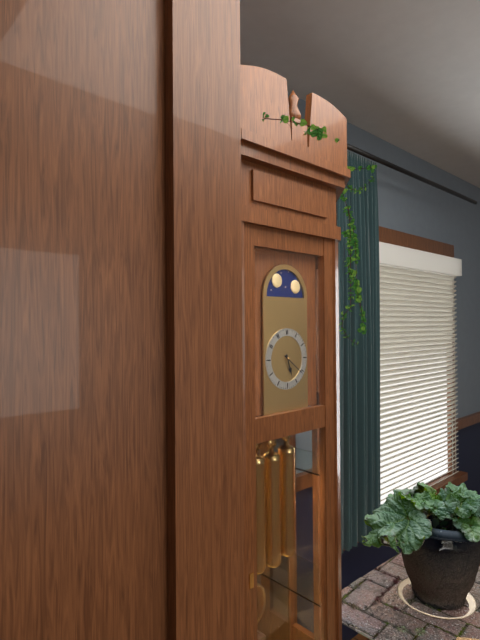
5:21
